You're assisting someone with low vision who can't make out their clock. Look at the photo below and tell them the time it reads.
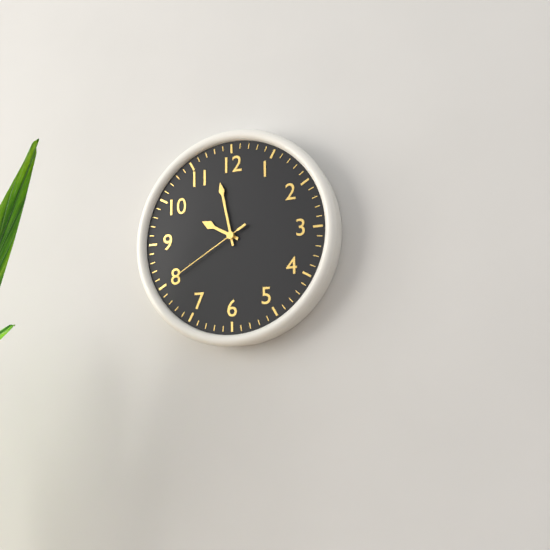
9:58:40
